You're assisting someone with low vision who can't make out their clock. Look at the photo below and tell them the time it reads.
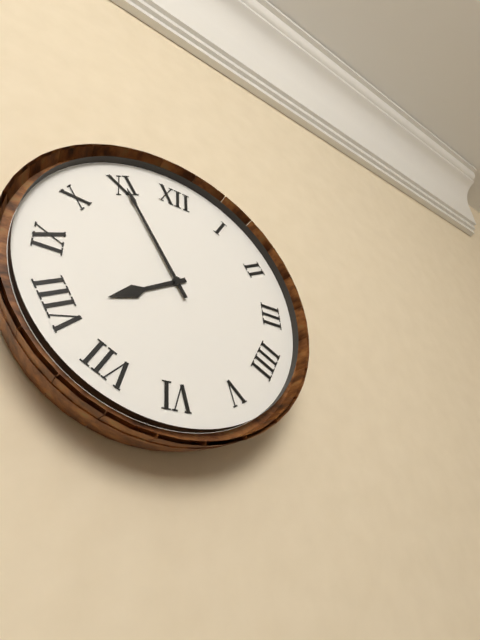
7:55
